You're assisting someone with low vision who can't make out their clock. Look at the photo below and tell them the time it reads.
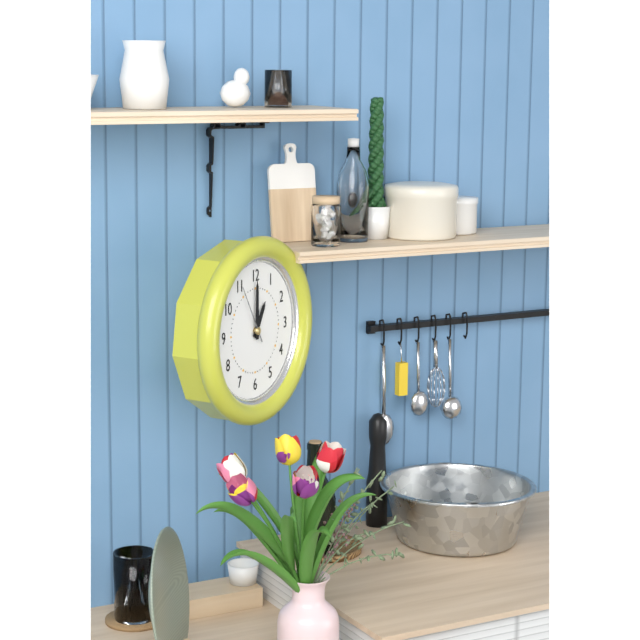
1:00:55
